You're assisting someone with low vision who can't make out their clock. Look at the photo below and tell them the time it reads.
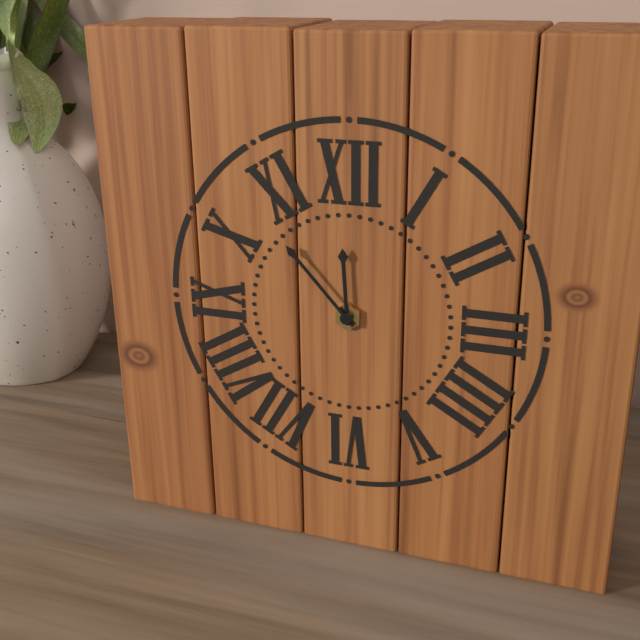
11:53
